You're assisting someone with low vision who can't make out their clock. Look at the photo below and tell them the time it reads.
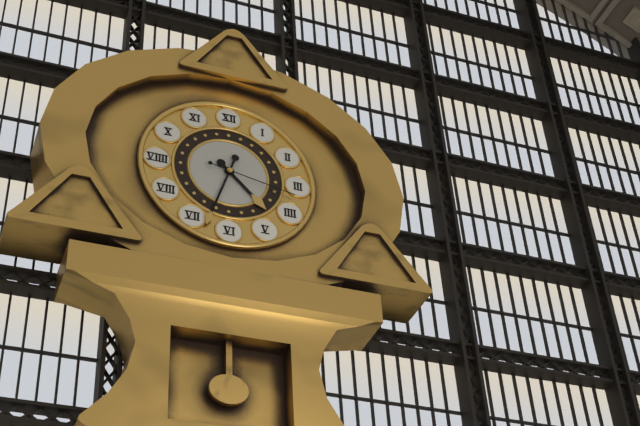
4:33:17
